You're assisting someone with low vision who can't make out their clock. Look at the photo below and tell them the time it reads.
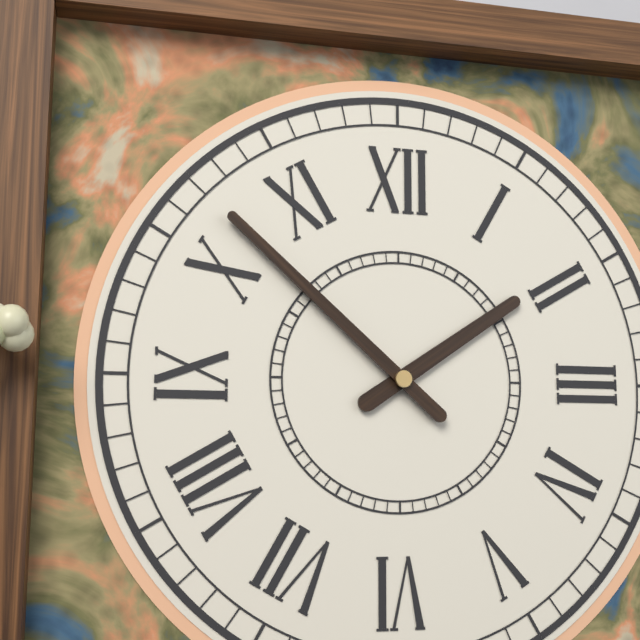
1:52
